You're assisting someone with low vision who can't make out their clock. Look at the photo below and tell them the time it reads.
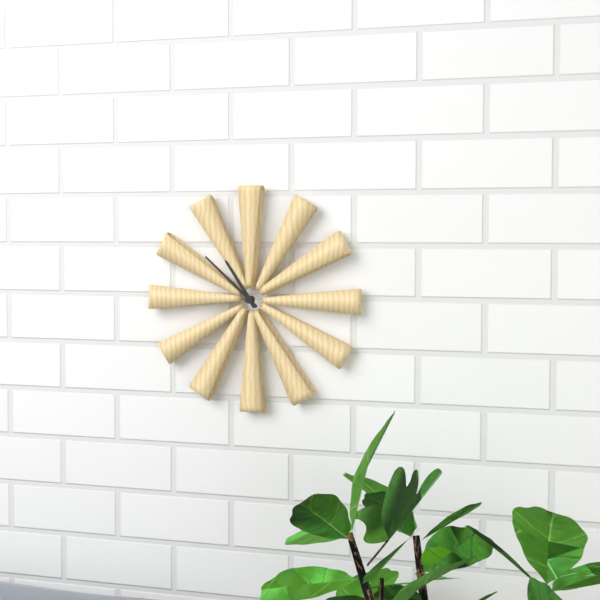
10:52
